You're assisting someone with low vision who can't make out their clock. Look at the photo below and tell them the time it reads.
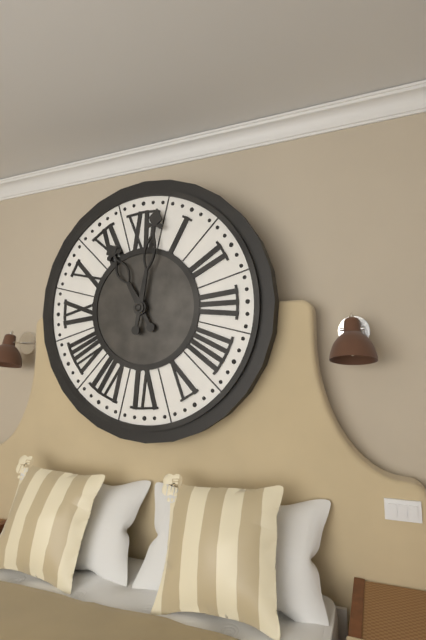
11:02
